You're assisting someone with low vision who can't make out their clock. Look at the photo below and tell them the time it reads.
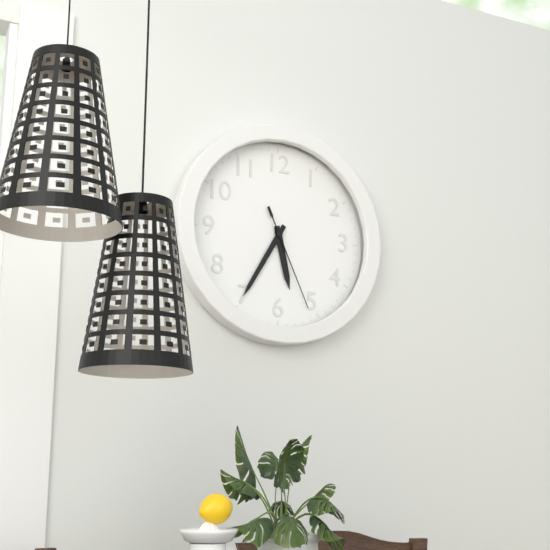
5:35:26
